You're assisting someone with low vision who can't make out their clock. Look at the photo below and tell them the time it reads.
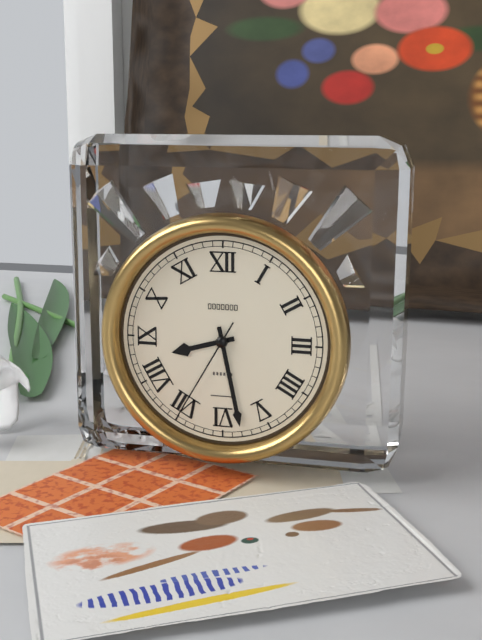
8:28:35
